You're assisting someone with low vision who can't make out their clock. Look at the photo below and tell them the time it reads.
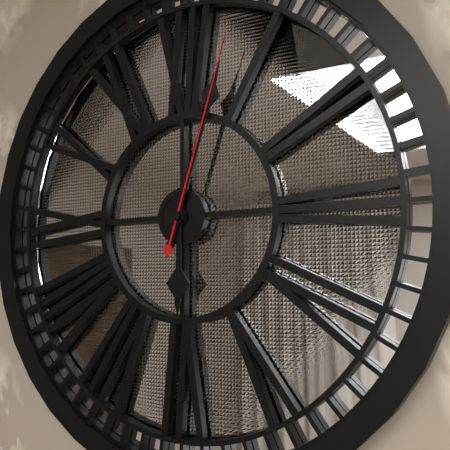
6:03:03
